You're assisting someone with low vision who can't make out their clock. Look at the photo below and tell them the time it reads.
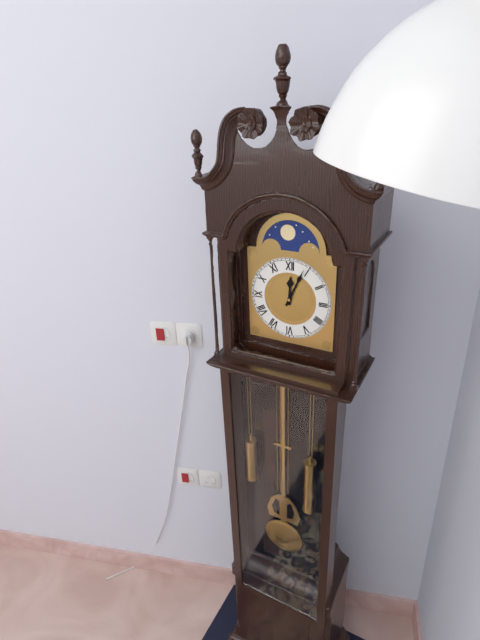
12:04
